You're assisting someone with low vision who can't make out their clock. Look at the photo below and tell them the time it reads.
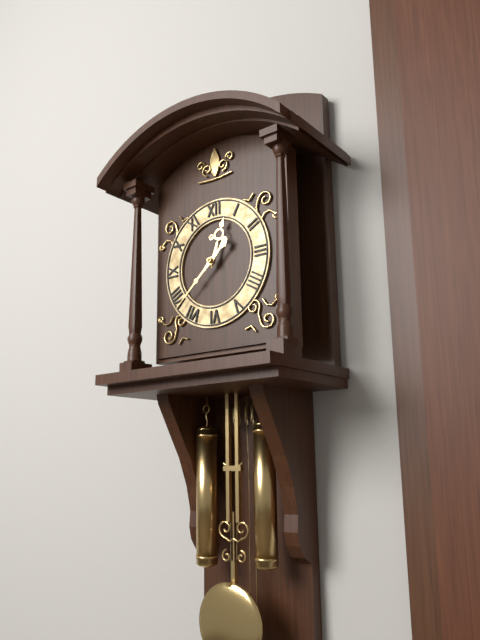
12:38
